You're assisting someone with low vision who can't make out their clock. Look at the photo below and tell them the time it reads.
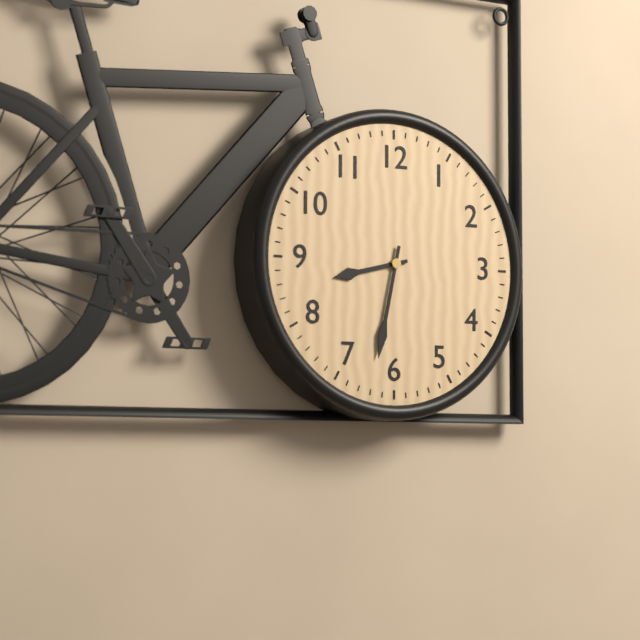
8:32
